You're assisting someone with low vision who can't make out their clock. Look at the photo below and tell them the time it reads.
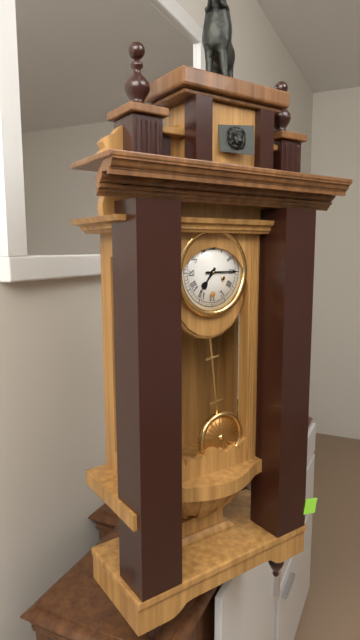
7:15
